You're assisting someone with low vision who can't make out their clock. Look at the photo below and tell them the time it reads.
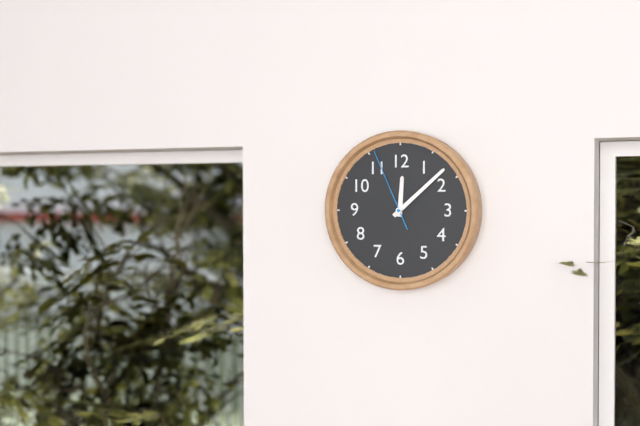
12:08:56
